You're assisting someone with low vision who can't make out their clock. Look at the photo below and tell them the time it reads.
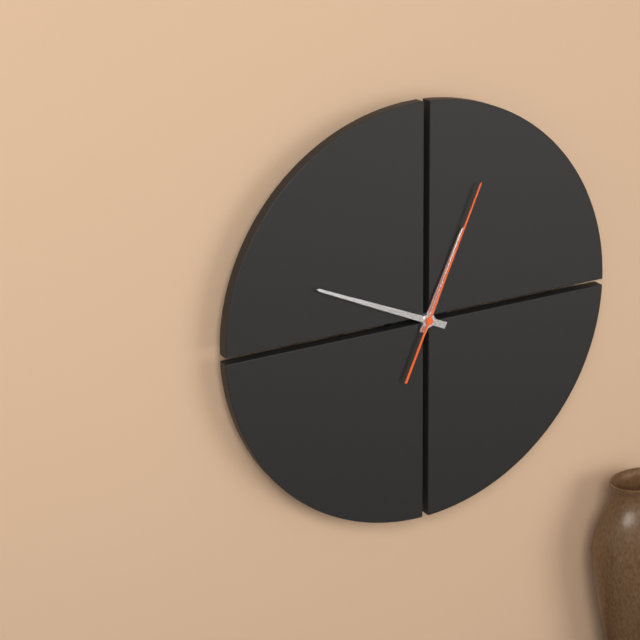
12:49:04
